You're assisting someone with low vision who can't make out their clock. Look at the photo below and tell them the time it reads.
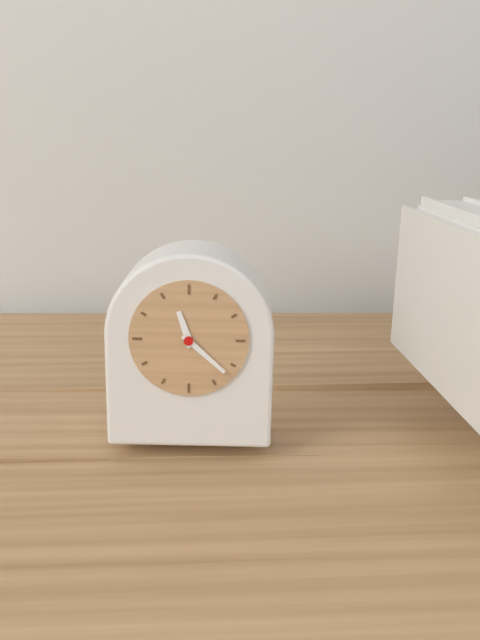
11:22
